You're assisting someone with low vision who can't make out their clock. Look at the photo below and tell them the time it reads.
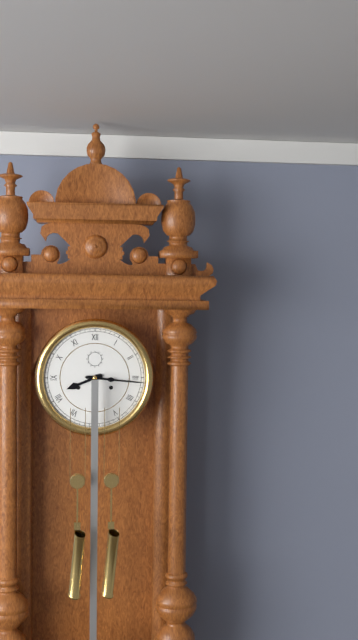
8:16
